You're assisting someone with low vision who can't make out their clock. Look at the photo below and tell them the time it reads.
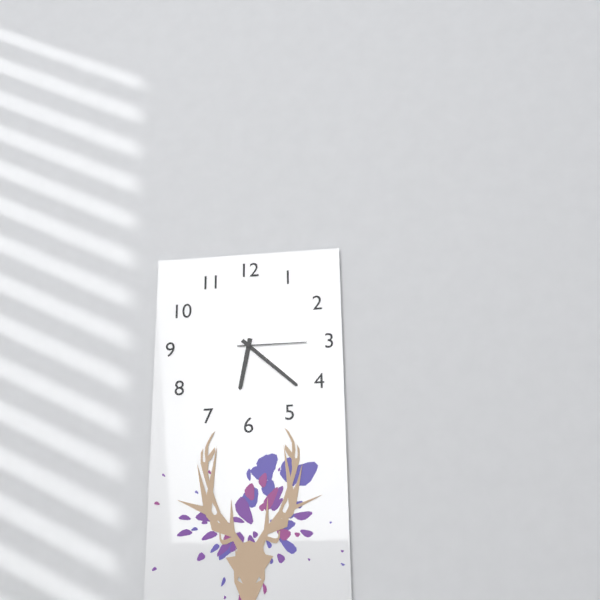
6:22:15
